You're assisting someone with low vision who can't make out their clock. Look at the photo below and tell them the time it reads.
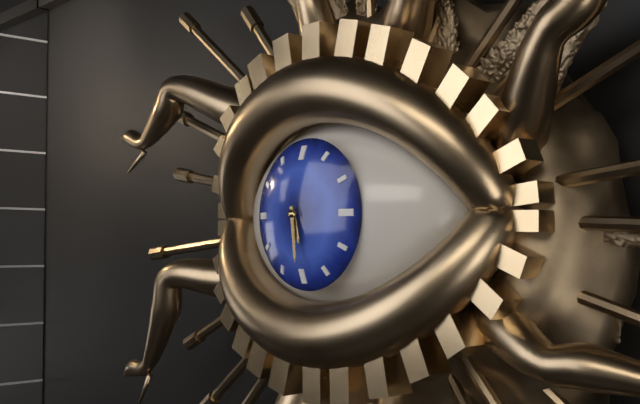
5:29
